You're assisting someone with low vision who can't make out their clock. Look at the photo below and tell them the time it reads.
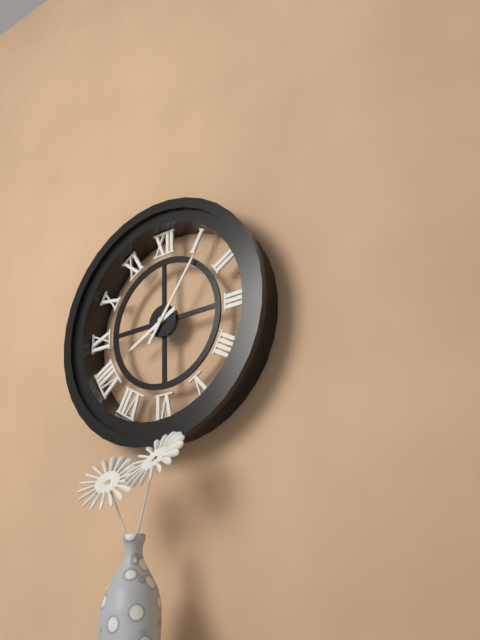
8:06
